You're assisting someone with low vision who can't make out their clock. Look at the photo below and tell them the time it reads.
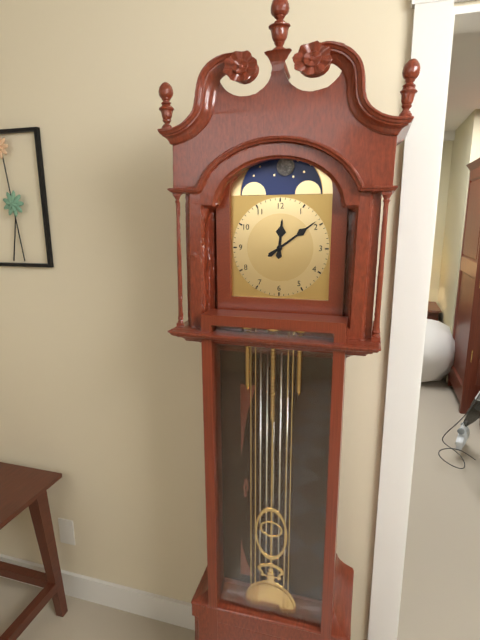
12:09
